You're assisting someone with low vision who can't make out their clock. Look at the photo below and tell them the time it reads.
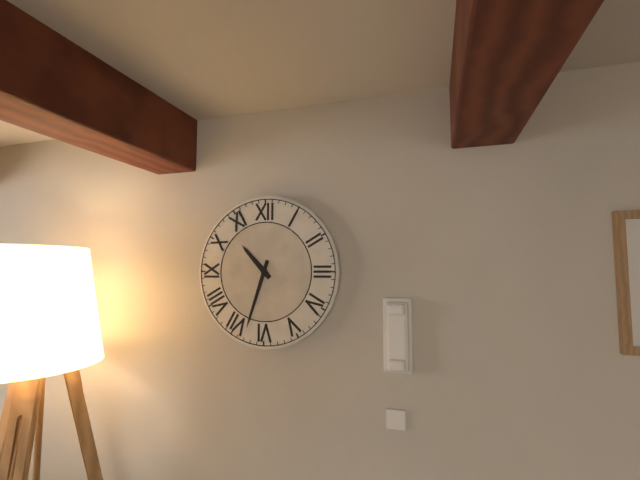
10:33
